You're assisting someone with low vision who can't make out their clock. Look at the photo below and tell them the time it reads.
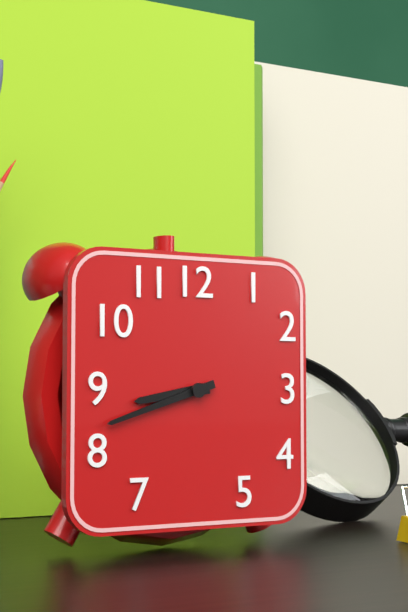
8:42
